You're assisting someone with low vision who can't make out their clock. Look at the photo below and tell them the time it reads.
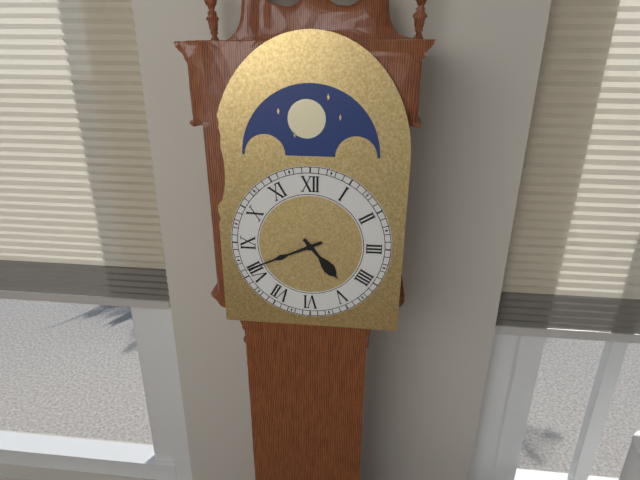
4:41
